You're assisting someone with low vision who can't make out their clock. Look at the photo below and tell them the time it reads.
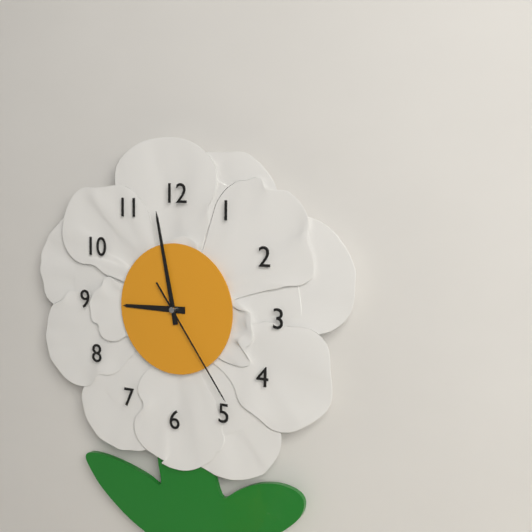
8:58:24
